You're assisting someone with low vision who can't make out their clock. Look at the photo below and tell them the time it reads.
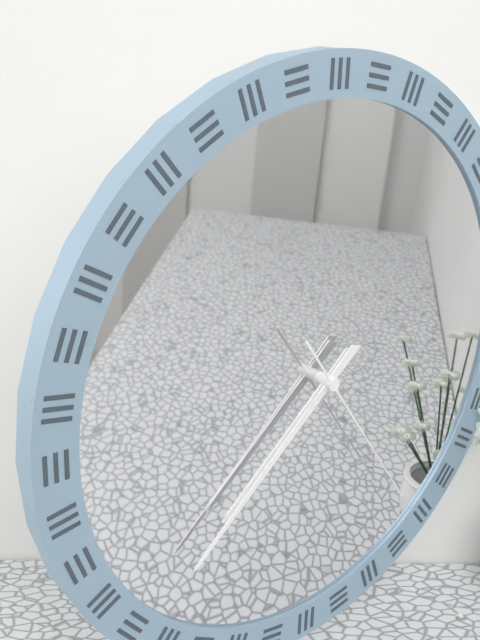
7:38:24
